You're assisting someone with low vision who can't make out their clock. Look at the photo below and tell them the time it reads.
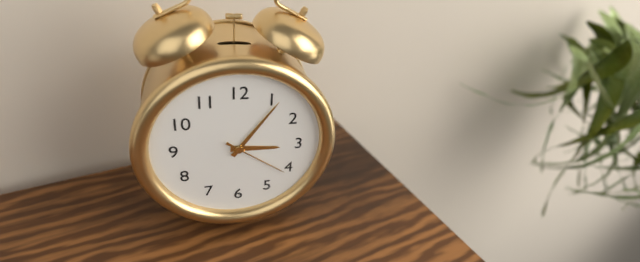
3:06:21
